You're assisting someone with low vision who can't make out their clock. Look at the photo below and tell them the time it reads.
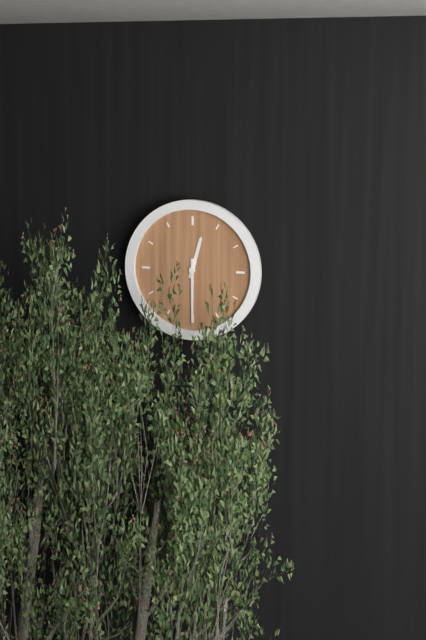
12:30
